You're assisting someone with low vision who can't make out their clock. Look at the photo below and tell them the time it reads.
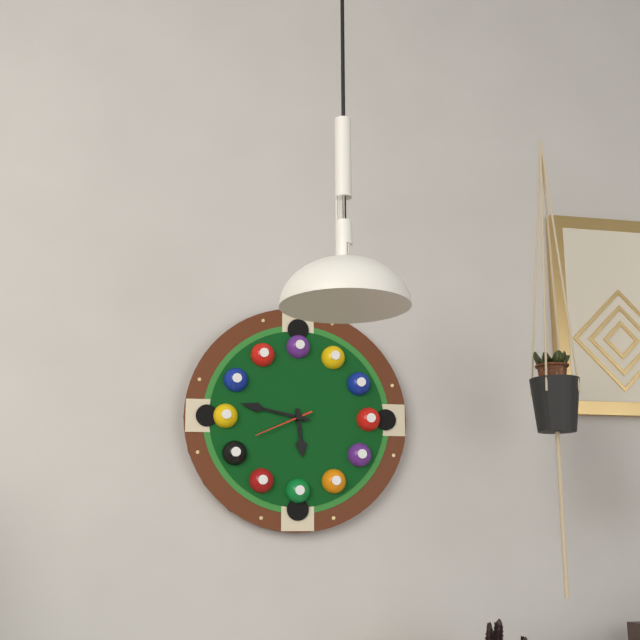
5:47:41
